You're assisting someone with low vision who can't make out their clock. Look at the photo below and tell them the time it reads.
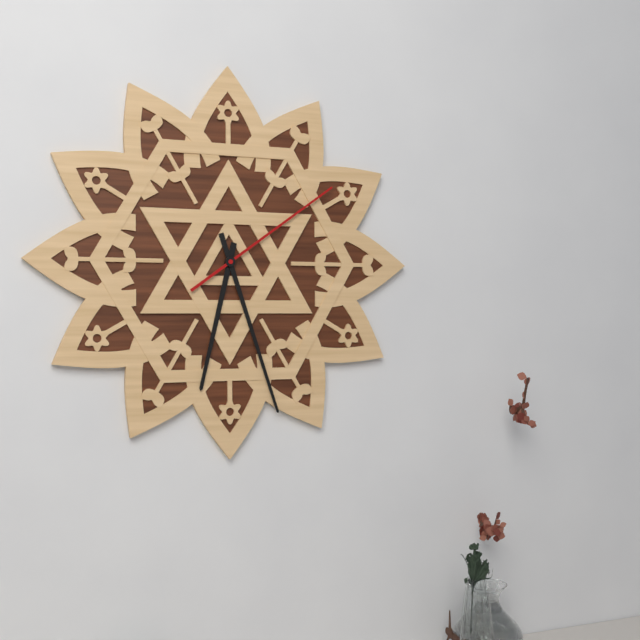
6:27:09
